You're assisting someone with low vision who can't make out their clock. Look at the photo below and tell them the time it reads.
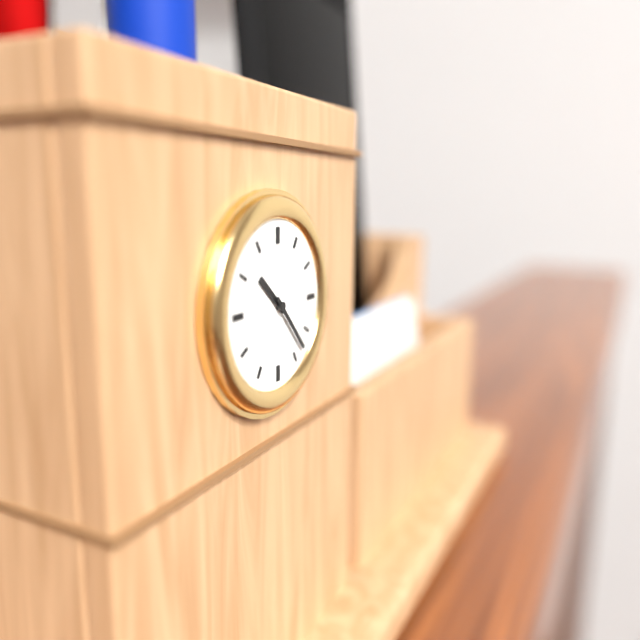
10:23
